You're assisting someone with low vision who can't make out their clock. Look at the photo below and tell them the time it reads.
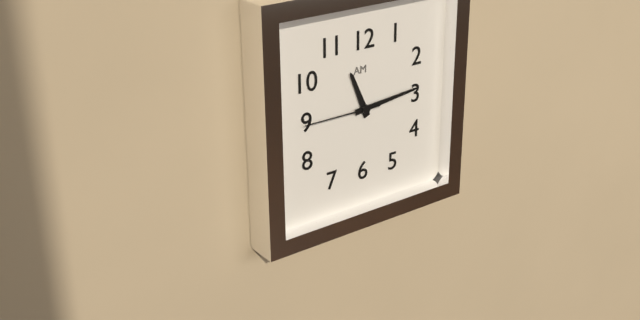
11:14:45
